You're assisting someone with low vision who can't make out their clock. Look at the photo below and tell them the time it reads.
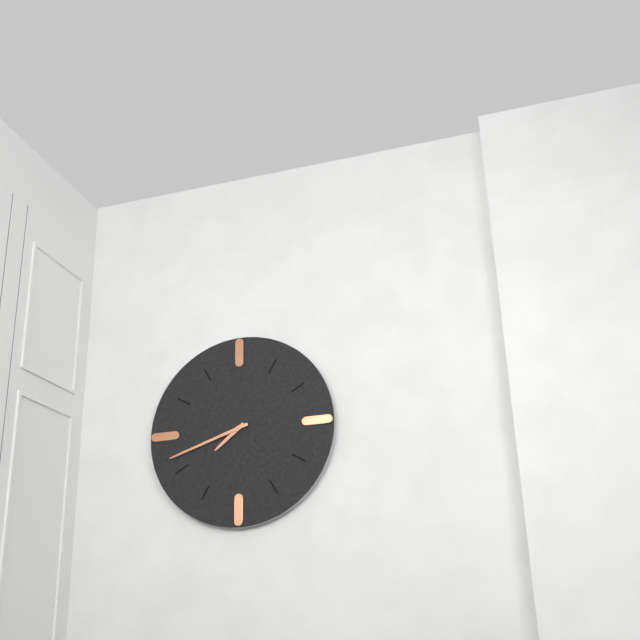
7:42
